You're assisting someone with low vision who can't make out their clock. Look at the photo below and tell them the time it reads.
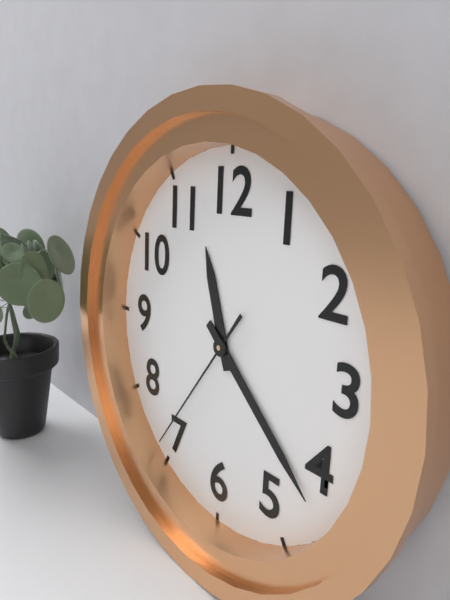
11:22:36
